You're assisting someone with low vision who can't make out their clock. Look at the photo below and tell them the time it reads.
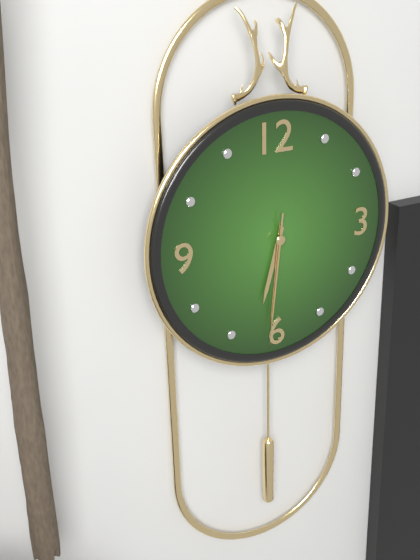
6:31:31
